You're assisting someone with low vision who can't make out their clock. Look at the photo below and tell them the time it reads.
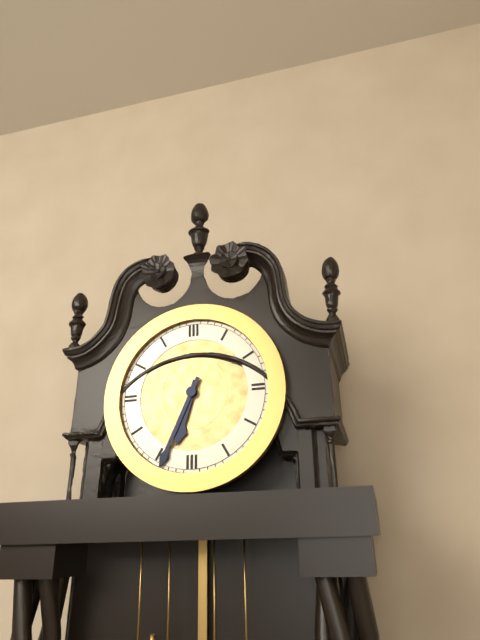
6:34
